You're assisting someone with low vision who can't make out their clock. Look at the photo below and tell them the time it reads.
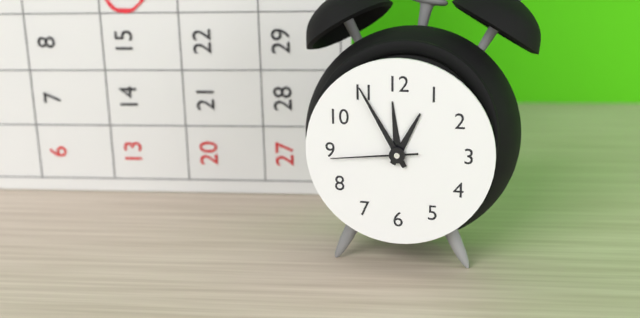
12:55:44
